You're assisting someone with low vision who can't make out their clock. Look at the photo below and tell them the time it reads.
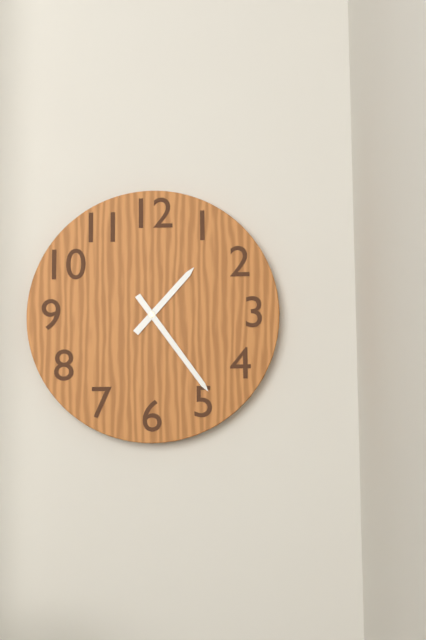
1:24
